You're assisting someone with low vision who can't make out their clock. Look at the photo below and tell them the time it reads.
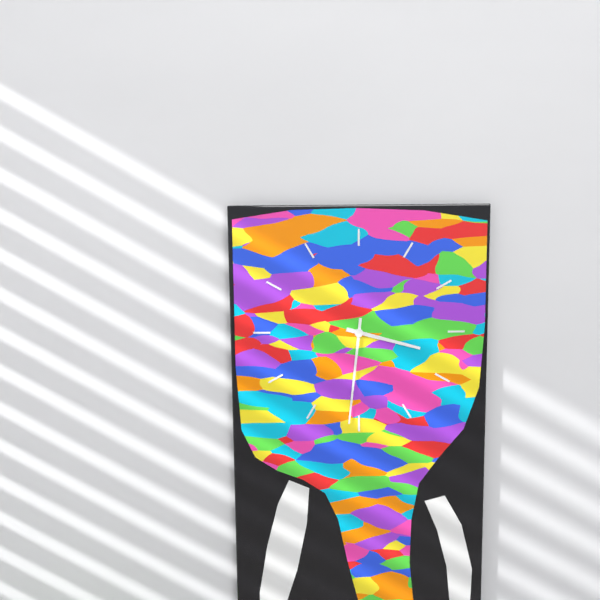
3:31
